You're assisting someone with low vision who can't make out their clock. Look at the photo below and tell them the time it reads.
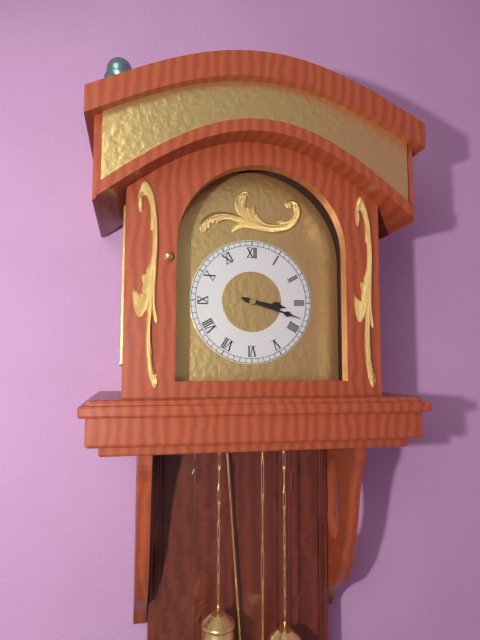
3:18
